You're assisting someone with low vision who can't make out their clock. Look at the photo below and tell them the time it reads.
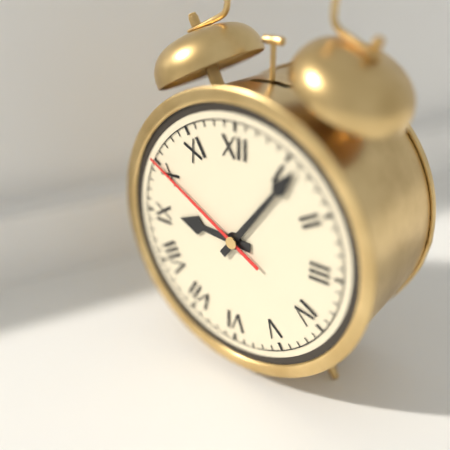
9:06:50
